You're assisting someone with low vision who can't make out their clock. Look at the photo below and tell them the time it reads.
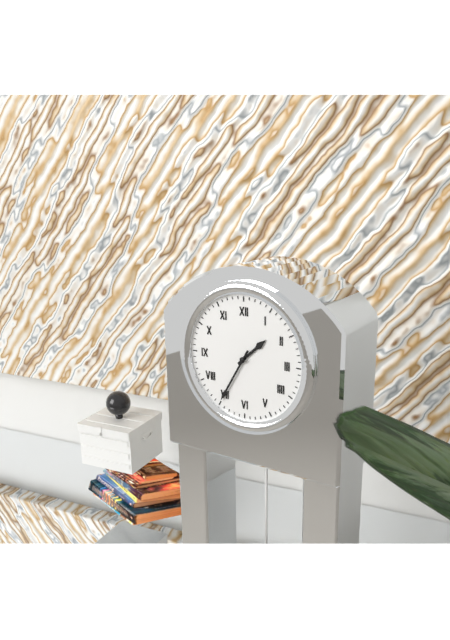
1:35
